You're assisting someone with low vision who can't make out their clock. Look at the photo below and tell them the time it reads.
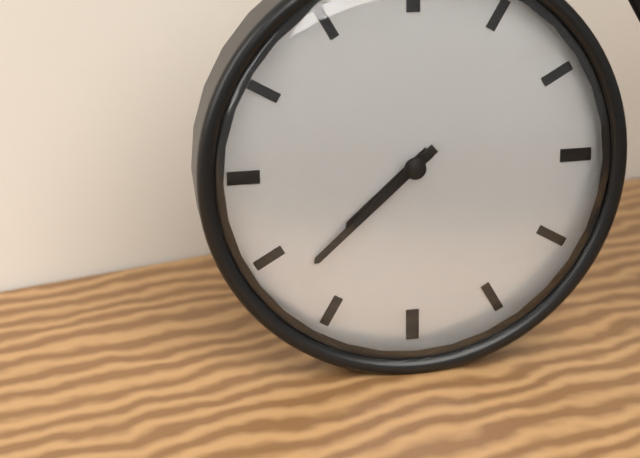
7:38
